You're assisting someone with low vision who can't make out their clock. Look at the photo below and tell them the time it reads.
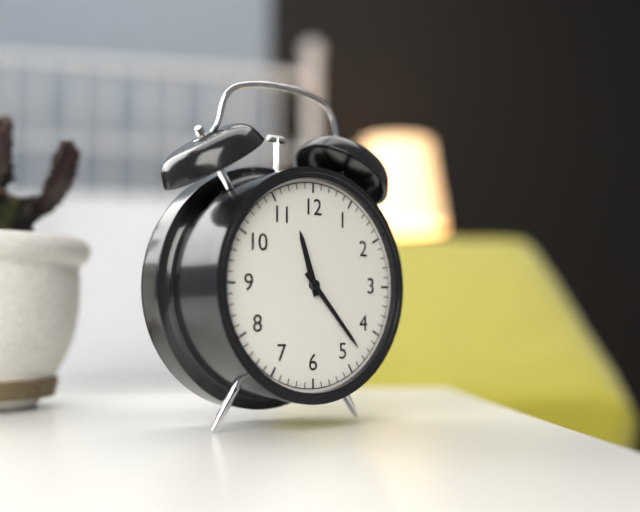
11:23
